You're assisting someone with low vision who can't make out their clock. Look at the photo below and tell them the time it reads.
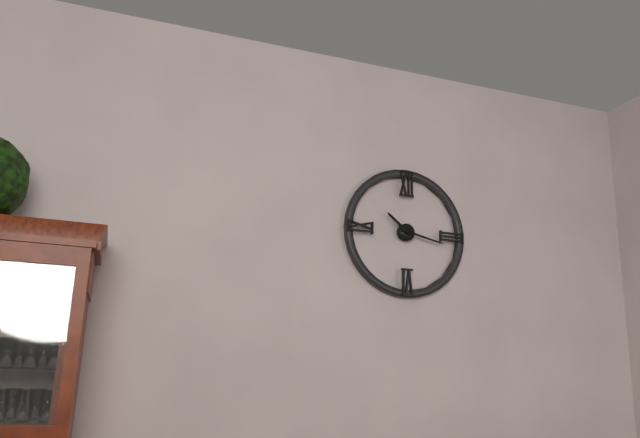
10:17
